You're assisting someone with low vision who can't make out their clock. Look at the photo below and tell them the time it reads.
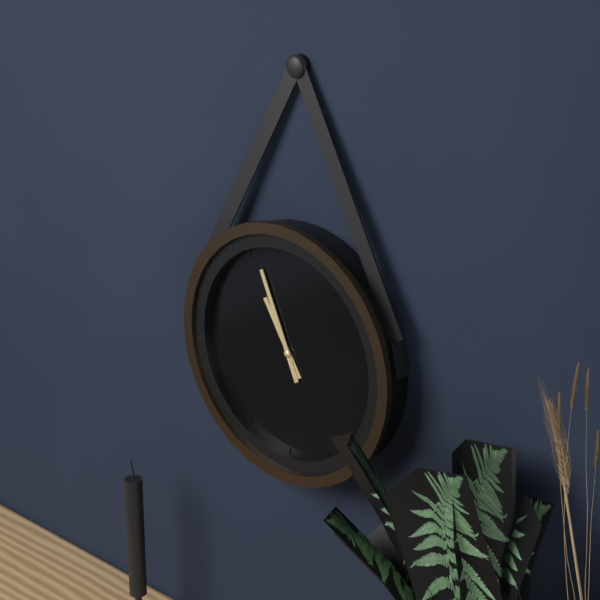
10:56
